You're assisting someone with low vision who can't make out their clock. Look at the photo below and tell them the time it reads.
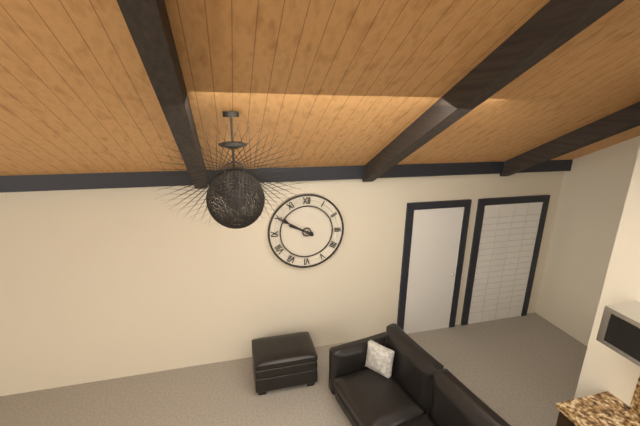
9:50
